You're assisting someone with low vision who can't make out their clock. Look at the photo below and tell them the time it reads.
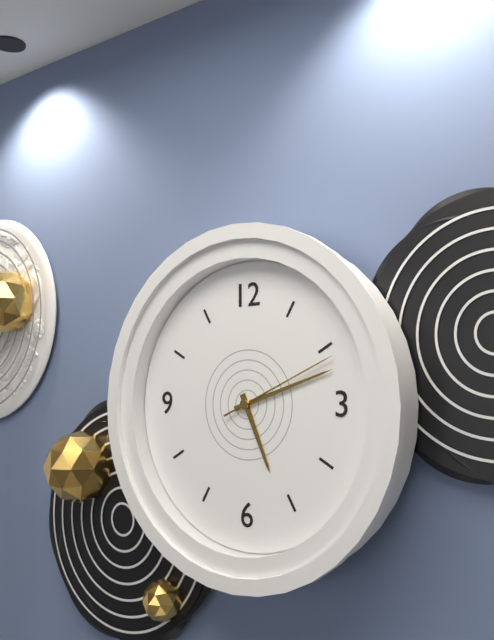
5:12:11
